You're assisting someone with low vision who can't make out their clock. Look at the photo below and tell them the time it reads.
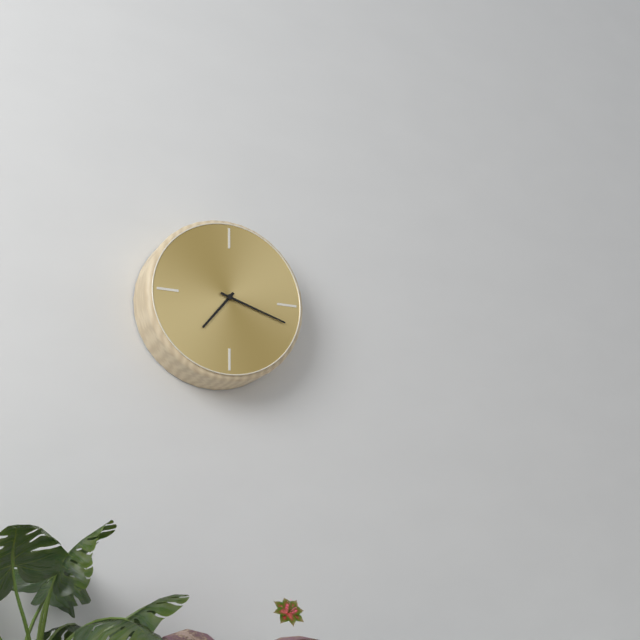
7:18
